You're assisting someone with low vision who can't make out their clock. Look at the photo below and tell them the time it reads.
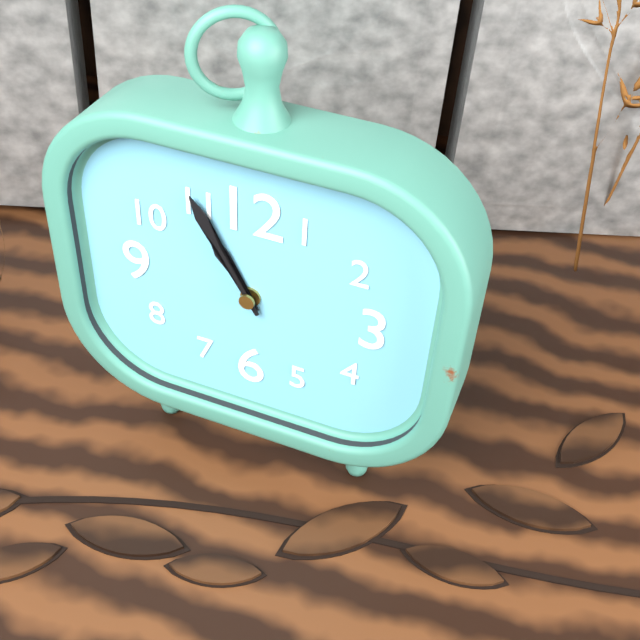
10:55
